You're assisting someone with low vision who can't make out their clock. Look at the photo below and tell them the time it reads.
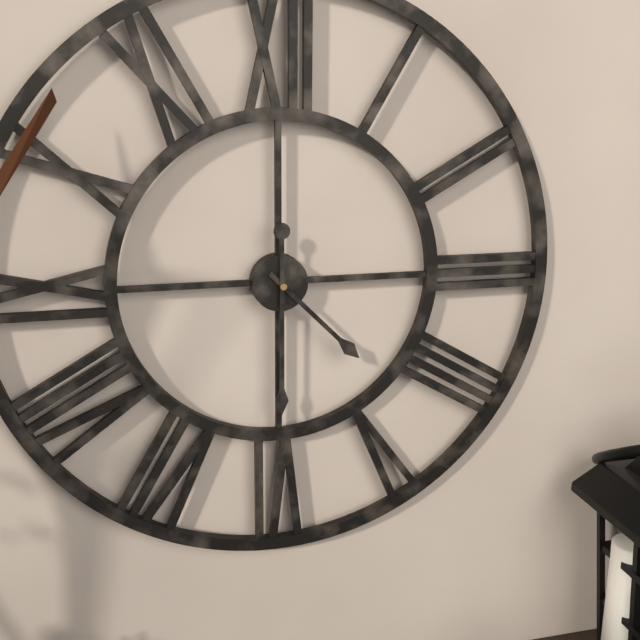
4:30
